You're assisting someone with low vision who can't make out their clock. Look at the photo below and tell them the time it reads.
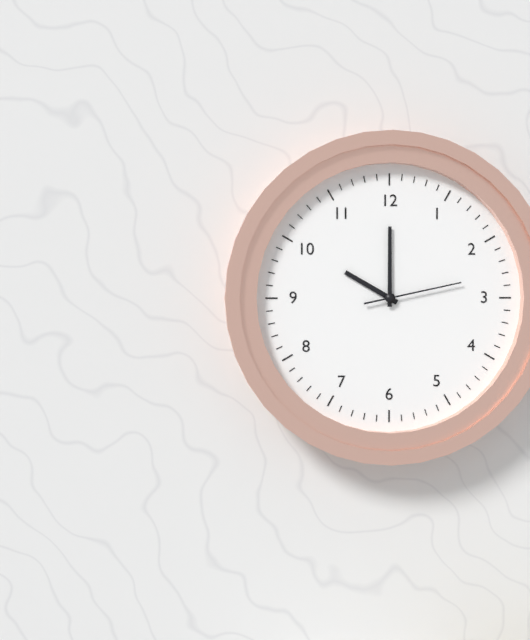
10:00:13
